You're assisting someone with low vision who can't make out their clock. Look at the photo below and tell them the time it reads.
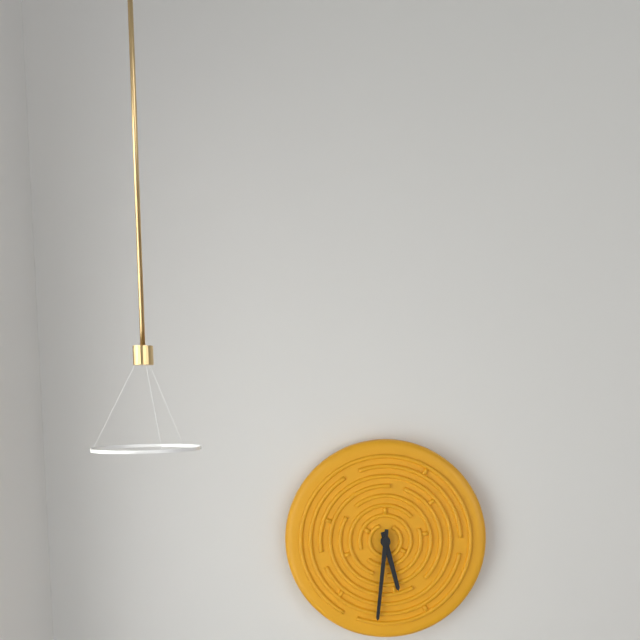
5:31
